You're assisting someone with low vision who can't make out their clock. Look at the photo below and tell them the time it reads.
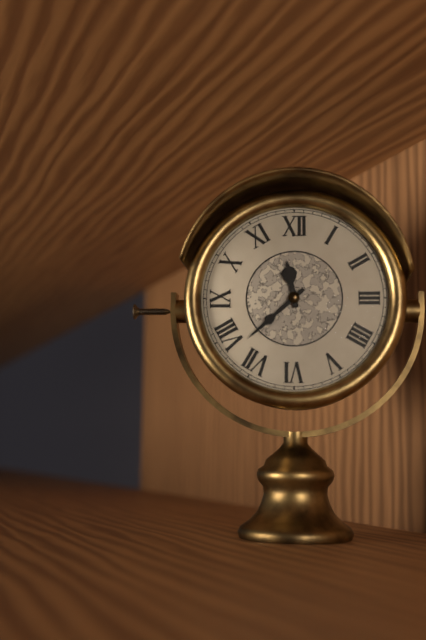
11:38
